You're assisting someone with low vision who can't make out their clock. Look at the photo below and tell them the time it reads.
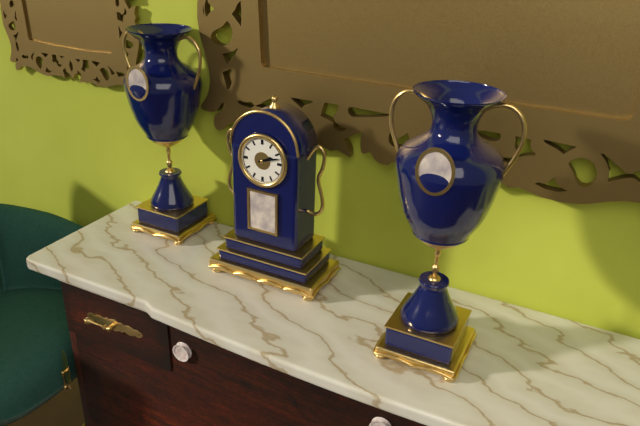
2:12
